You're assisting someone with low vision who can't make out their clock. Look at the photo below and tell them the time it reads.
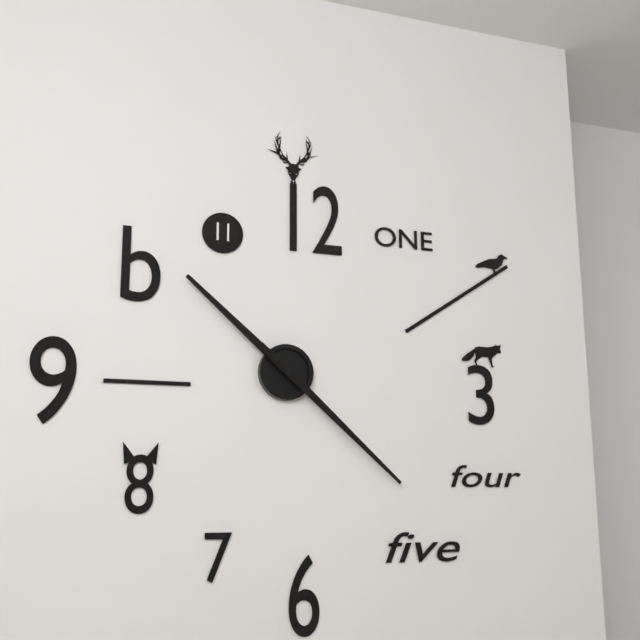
10:22
